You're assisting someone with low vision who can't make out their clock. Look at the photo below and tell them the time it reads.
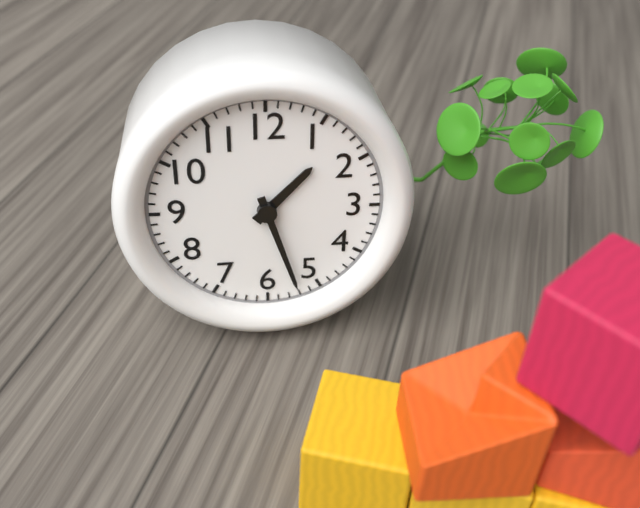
1:27
